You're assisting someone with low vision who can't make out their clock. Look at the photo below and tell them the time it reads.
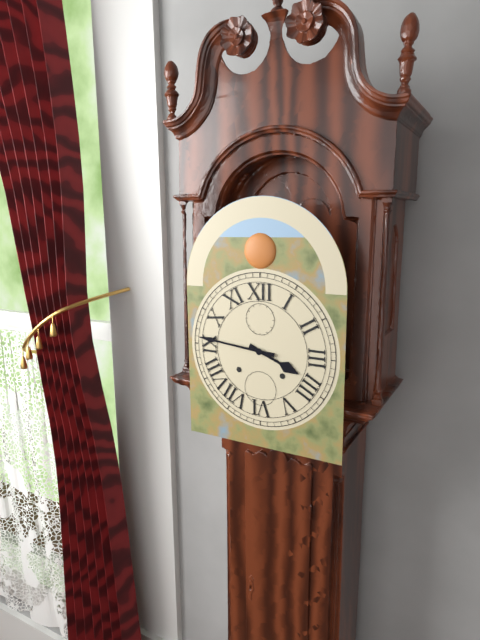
3:46
